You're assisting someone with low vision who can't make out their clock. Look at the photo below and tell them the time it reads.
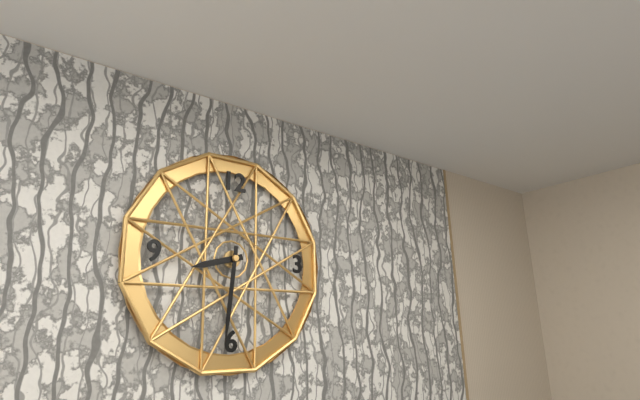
8:31
